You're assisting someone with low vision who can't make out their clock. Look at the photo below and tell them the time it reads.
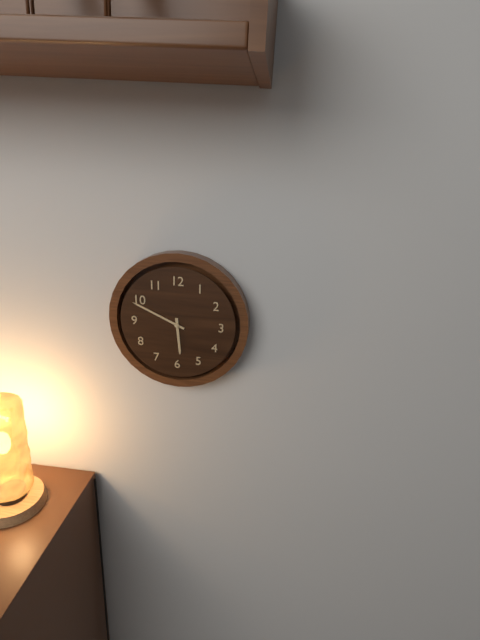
5:49
